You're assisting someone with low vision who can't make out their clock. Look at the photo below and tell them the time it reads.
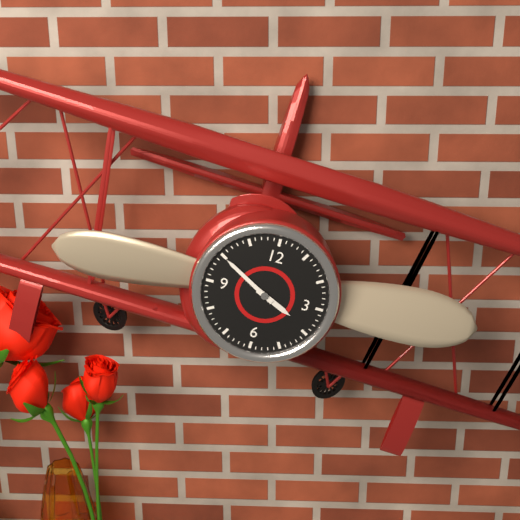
3:50
